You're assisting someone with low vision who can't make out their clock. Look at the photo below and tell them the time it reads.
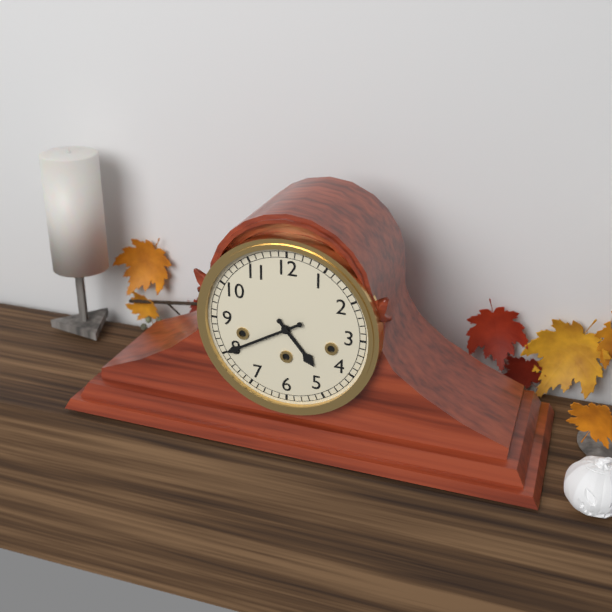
4:40
